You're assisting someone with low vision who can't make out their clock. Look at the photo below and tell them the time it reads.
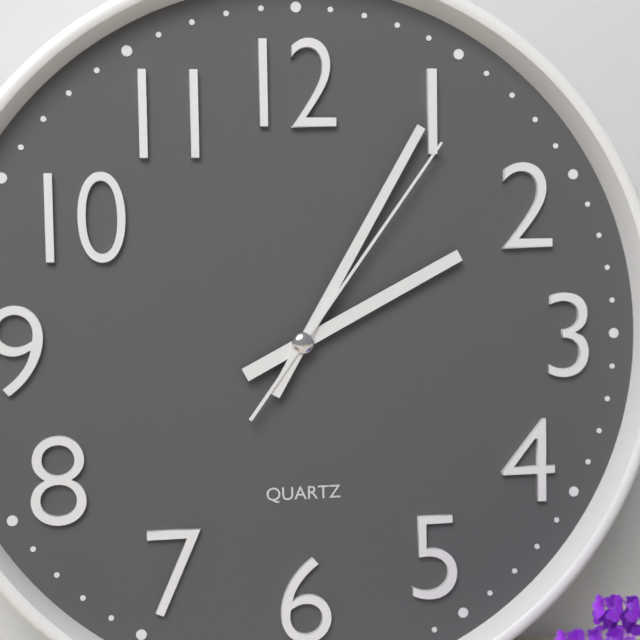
2:05:06
